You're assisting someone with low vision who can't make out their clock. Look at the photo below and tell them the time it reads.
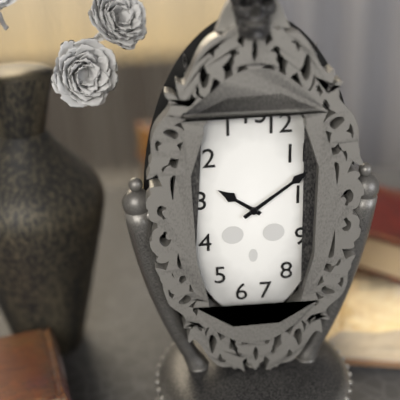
10:09
